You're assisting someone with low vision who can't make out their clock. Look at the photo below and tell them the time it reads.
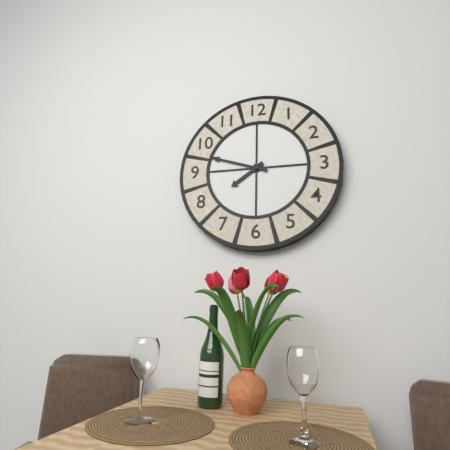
7:48
